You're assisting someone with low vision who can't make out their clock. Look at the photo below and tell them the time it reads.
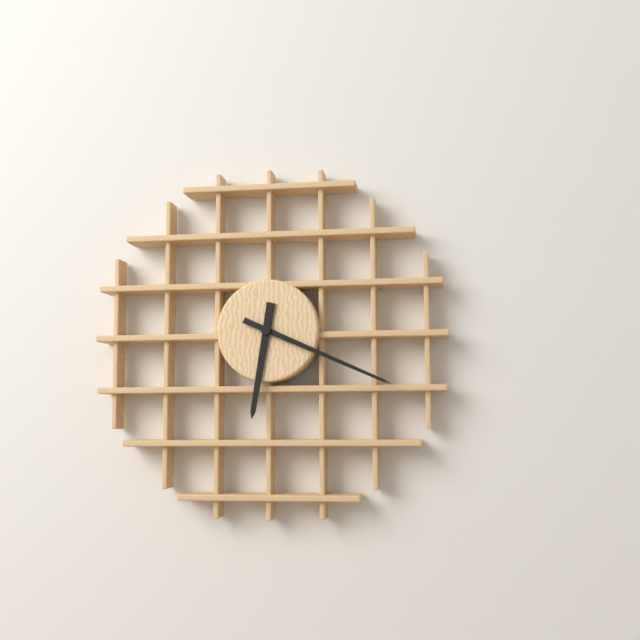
6:19
